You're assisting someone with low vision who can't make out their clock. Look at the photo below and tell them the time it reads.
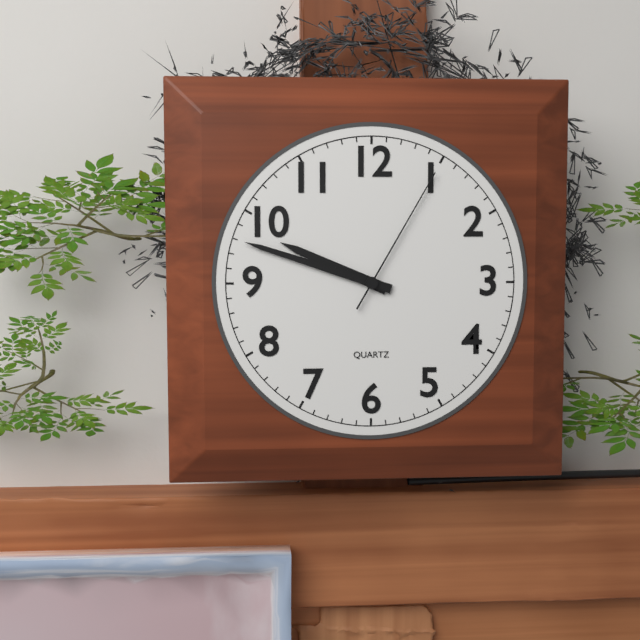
9:48:05
